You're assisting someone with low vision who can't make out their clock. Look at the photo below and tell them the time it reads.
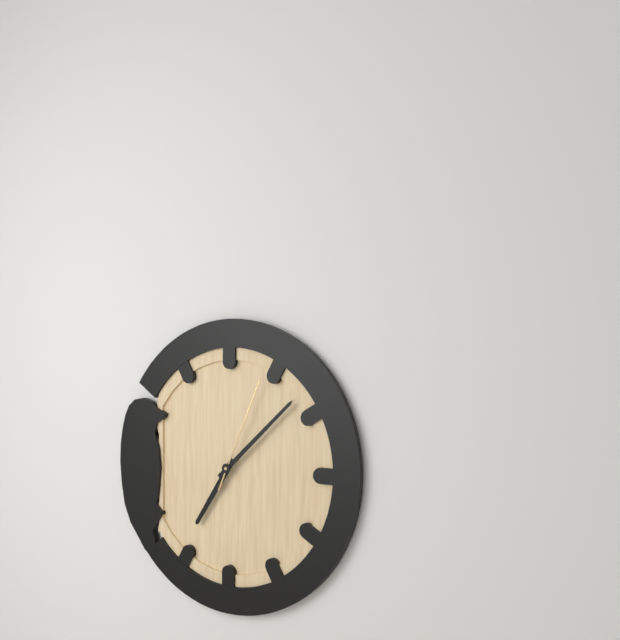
7:08:04
